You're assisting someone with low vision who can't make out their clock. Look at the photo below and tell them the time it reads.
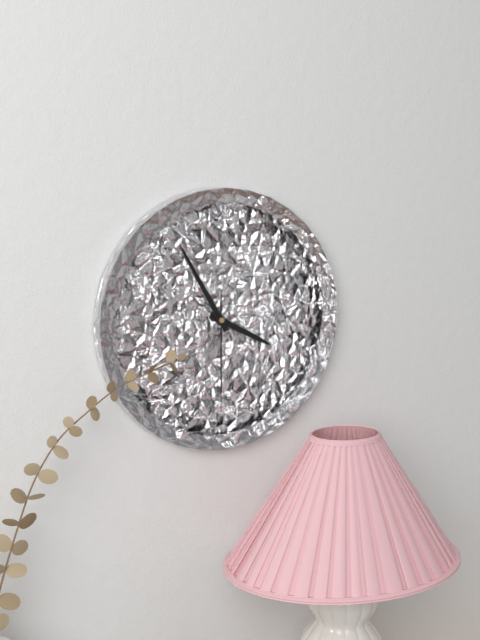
3:55:30
